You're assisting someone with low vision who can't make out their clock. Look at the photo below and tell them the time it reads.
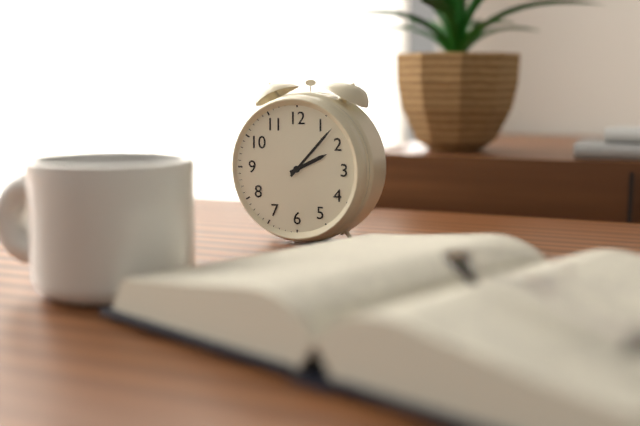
2:07
